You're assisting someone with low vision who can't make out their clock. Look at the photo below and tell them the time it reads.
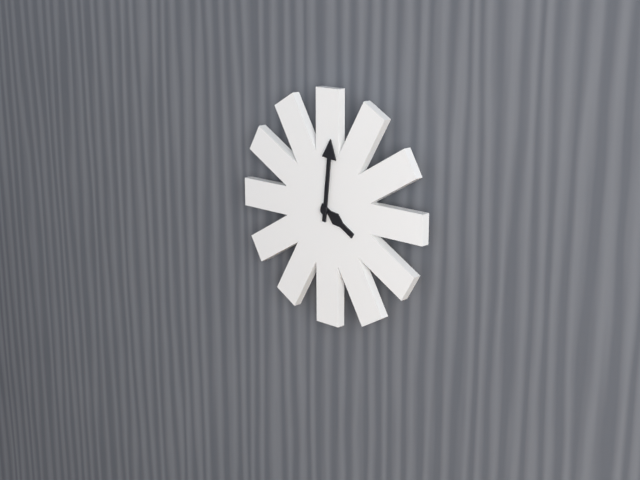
4:01
